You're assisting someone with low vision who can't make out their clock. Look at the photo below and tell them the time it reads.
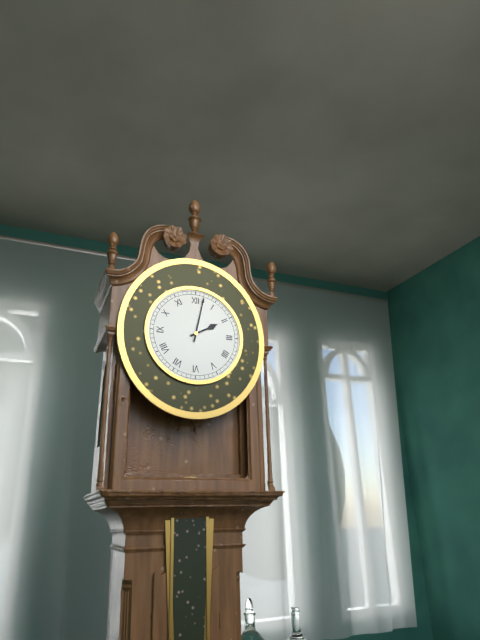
2:02
